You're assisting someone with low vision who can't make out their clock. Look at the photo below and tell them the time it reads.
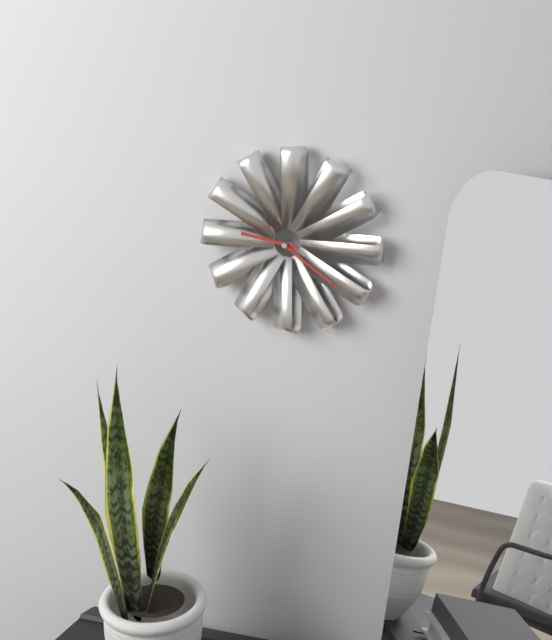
9:21
